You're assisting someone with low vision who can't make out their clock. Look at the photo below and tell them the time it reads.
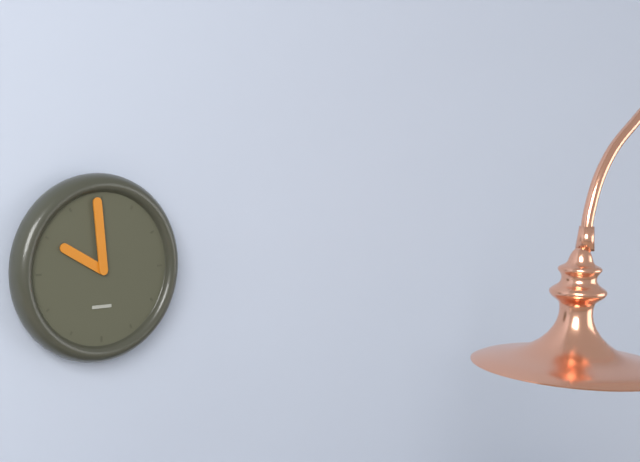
9:59
